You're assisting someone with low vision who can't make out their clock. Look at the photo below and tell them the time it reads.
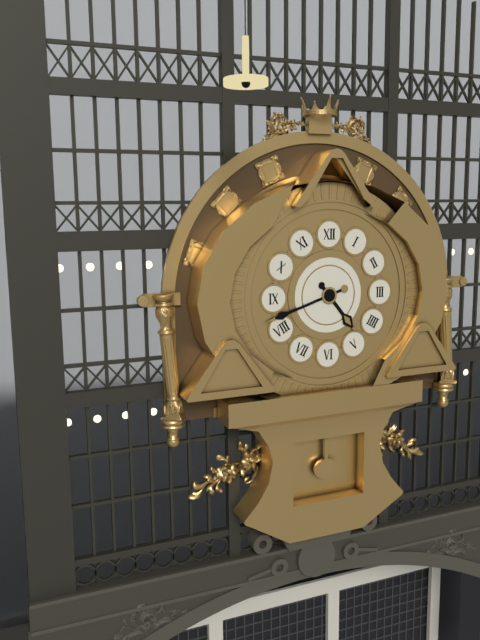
4:42
